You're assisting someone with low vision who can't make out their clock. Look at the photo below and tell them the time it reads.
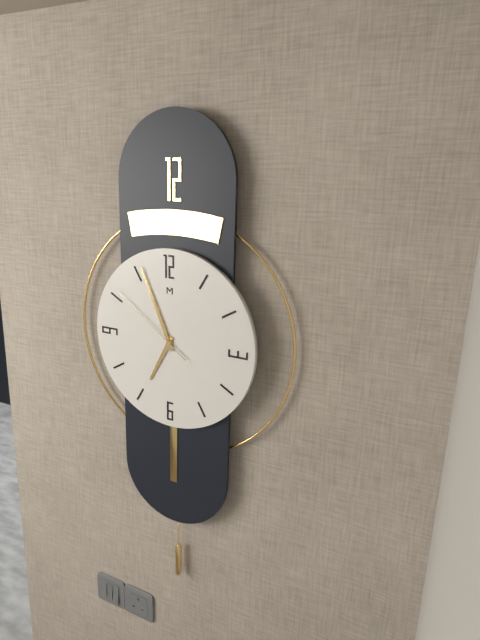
6:56:51
